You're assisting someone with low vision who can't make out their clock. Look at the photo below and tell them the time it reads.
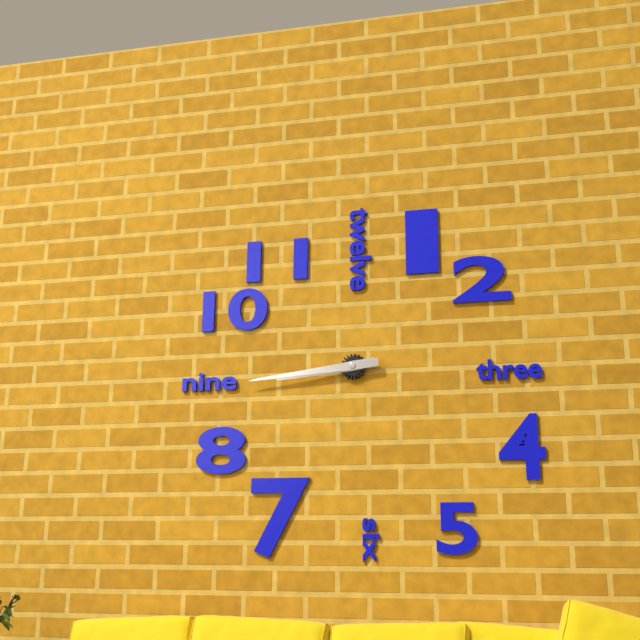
8:44
